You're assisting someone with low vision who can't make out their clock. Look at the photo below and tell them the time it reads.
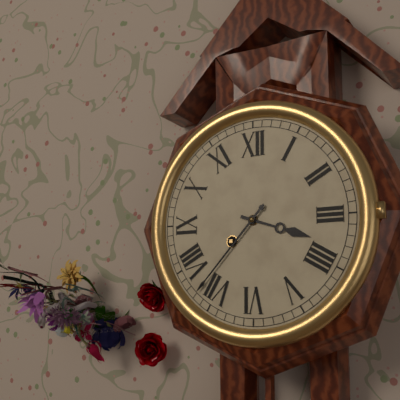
3:37
